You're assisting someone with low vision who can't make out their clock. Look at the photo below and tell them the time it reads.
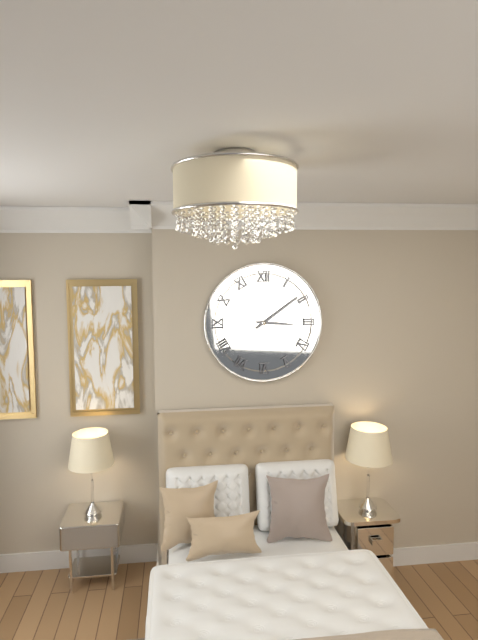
3:09
